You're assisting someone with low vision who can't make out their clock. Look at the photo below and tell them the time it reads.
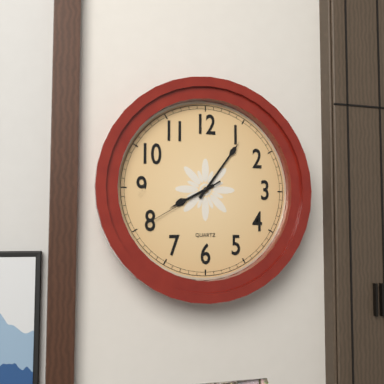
8:06:40
